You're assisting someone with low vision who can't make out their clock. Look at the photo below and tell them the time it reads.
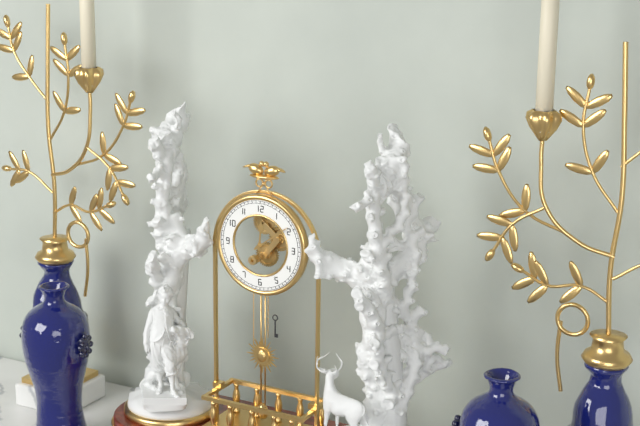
12:09
